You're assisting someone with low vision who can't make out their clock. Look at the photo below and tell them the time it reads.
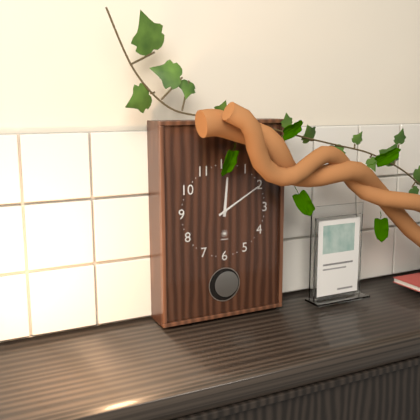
12:10
